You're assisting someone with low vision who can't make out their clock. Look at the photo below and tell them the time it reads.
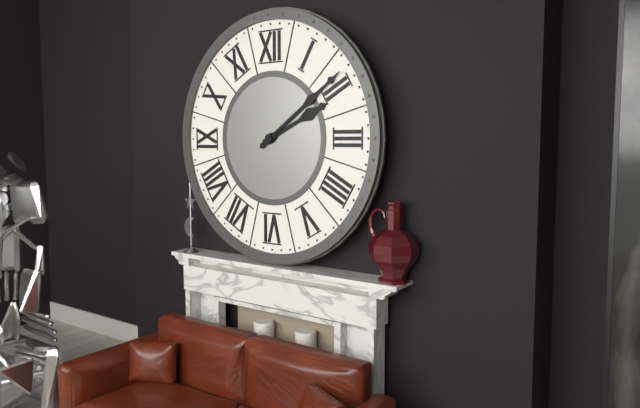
2:09
